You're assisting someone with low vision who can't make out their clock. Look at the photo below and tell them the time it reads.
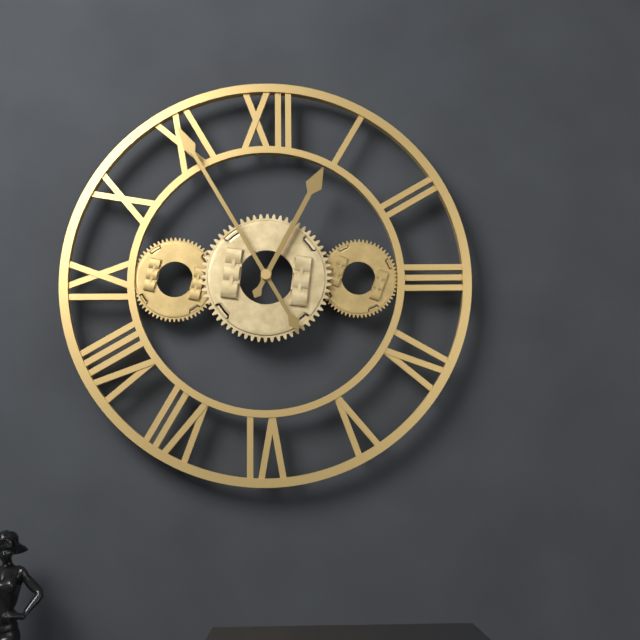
12:55
